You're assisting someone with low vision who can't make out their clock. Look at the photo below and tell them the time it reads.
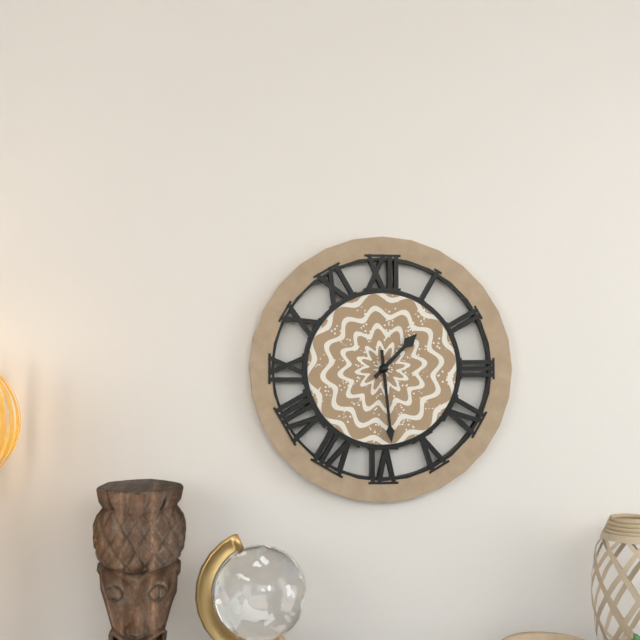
1:29
